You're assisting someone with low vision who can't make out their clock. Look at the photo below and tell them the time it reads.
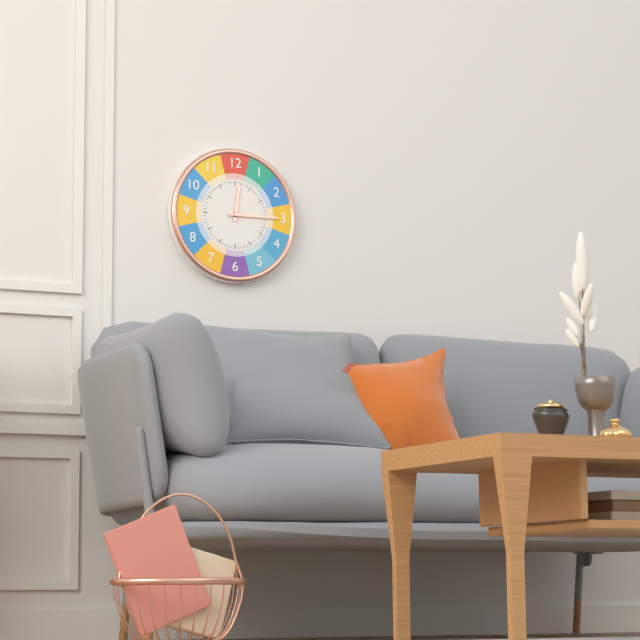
12:15
